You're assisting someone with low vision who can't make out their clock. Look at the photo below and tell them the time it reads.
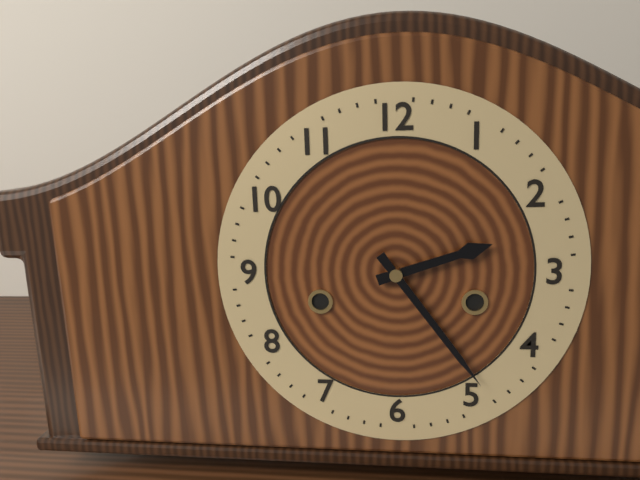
2:24
